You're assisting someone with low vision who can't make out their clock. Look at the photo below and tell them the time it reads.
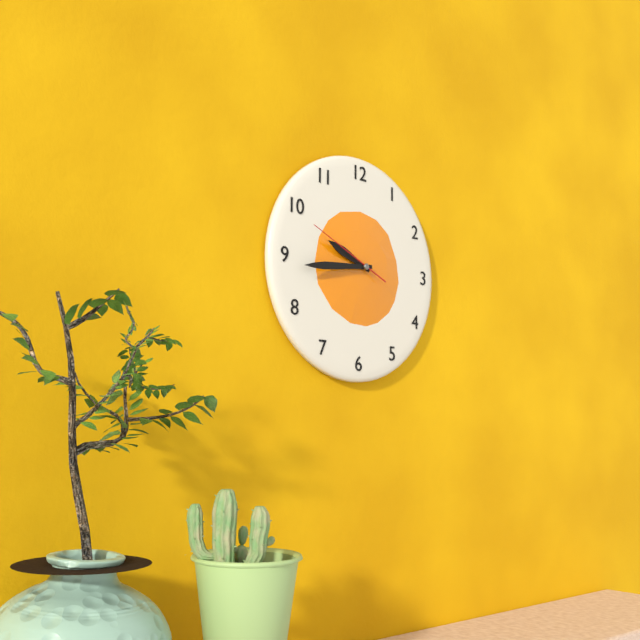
9:44:49
